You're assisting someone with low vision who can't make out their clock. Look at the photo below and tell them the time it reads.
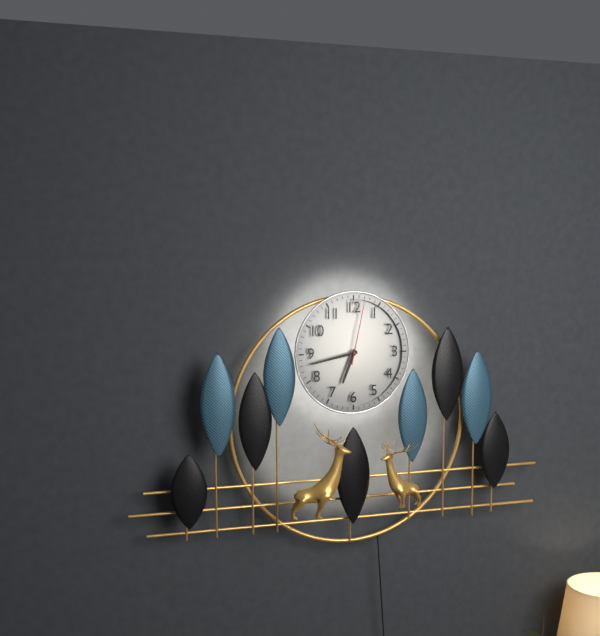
6:43:02
